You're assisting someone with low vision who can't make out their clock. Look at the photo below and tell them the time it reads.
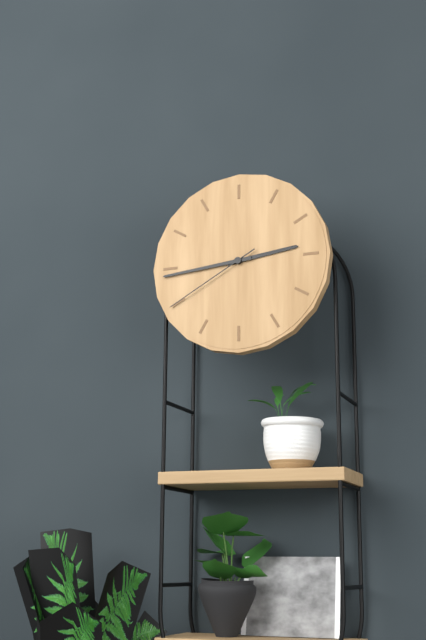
2:44:40
